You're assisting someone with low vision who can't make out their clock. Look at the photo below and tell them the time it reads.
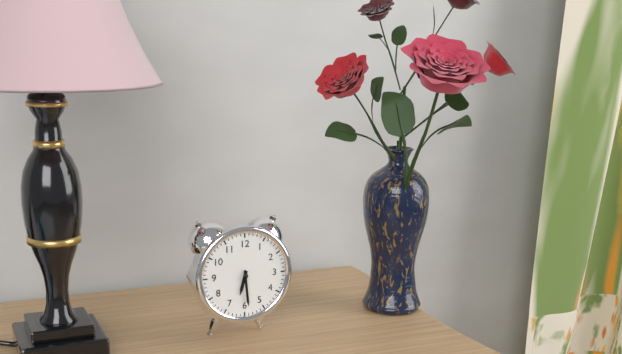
6:29
